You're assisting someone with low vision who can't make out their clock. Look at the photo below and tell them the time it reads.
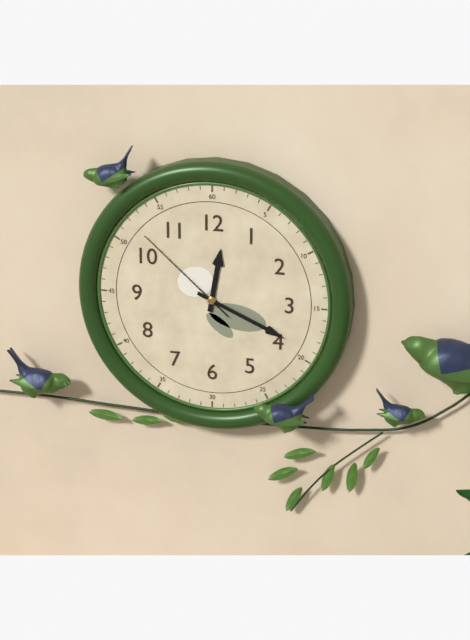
12:19:52
